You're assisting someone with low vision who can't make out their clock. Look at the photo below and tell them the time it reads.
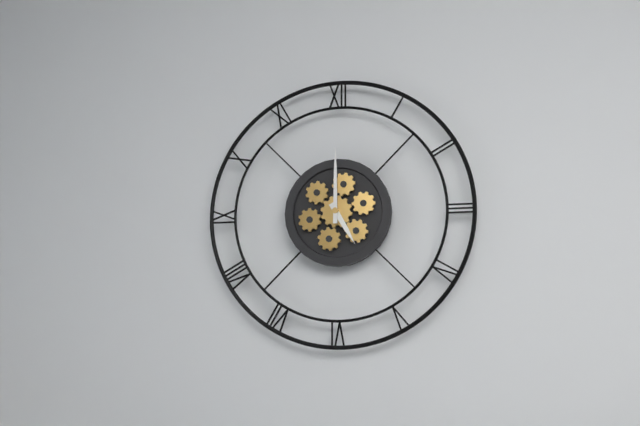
5:00
